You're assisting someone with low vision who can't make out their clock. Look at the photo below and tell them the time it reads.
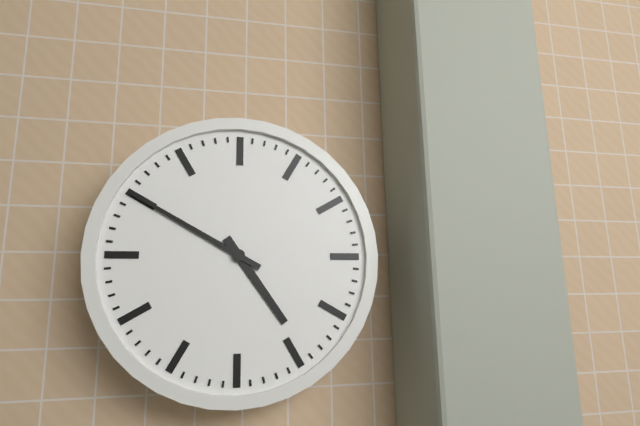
4:50
